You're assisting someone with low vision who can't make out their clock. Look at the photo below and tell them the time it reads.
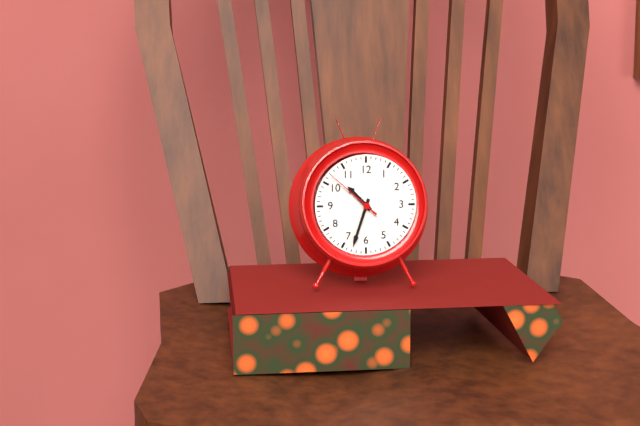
10:33:52
